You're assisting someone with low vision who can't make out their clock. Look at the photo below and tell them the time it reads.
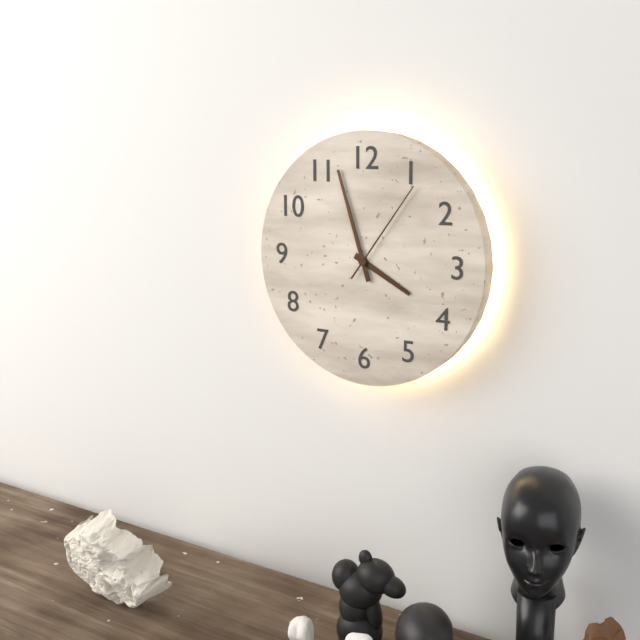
3:57:06
